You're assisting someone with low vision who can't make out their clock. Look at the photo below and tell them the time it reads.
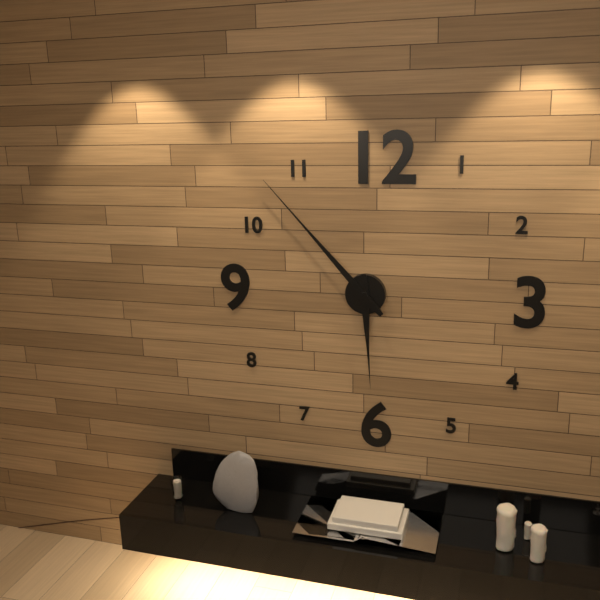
5:53
